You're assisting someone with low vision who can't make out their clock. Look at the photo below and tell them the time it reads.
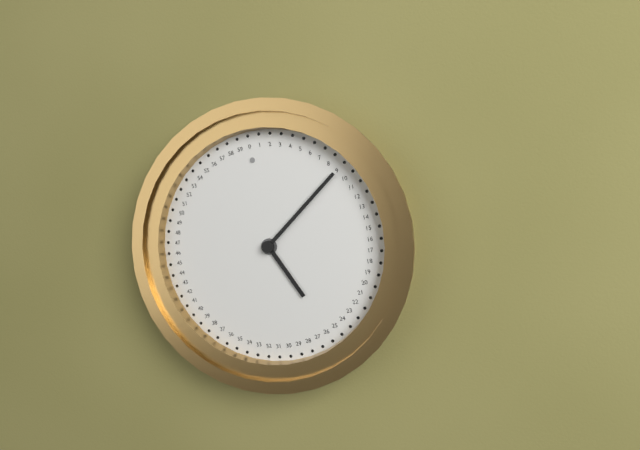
5:09
